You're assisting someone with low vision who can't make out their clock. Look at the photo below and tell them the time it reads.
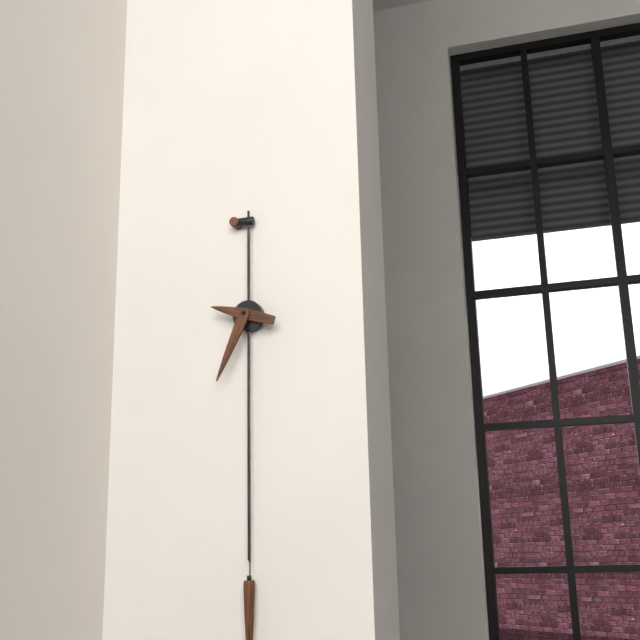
9:34
